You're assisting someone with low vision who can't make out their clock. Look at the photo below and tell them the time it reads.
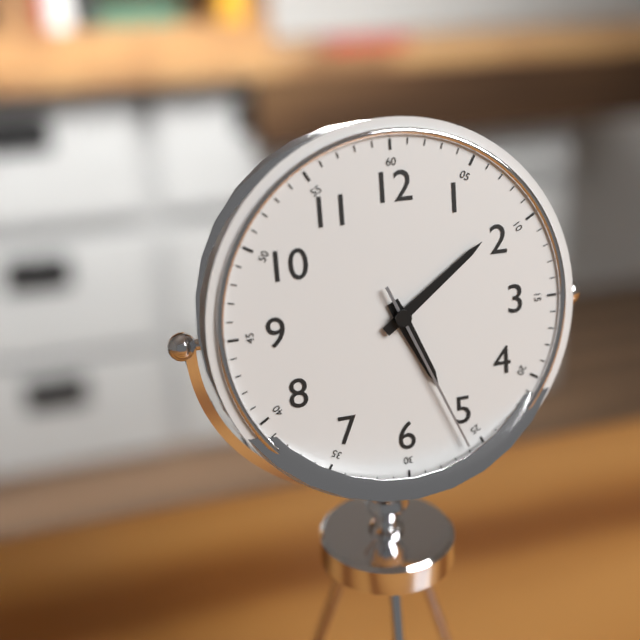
5:09:26
